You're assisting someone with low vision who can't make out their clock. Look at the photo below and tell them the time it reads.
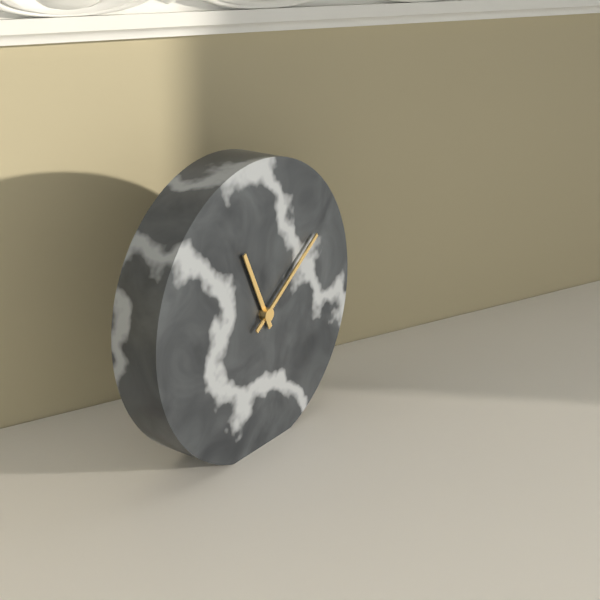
11:09
